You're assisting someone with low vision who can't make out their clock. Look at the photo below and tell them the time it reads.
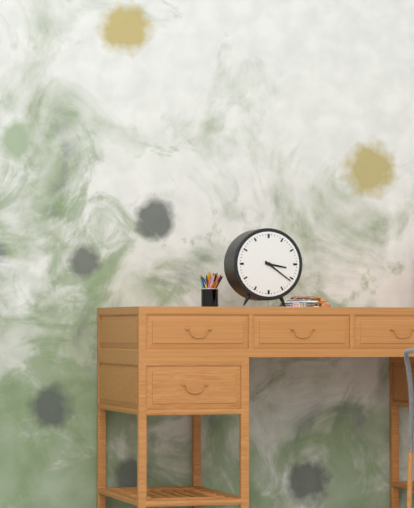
3:21
